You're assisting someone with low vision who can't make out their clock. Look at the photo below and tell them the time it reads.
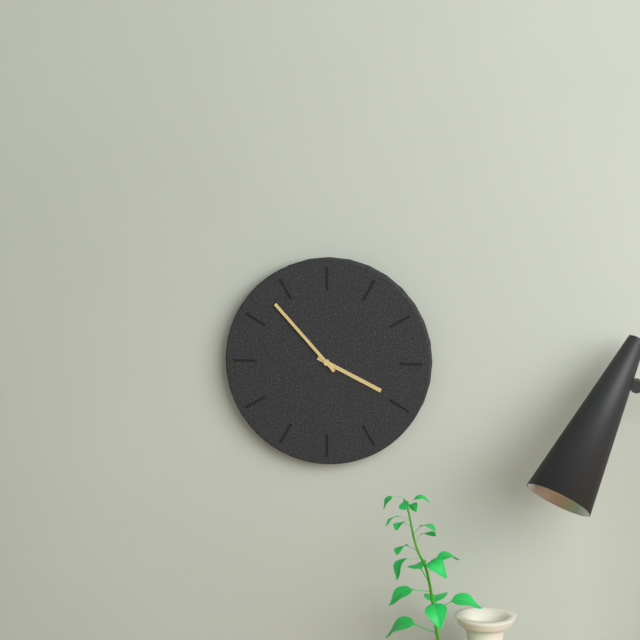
3:53
